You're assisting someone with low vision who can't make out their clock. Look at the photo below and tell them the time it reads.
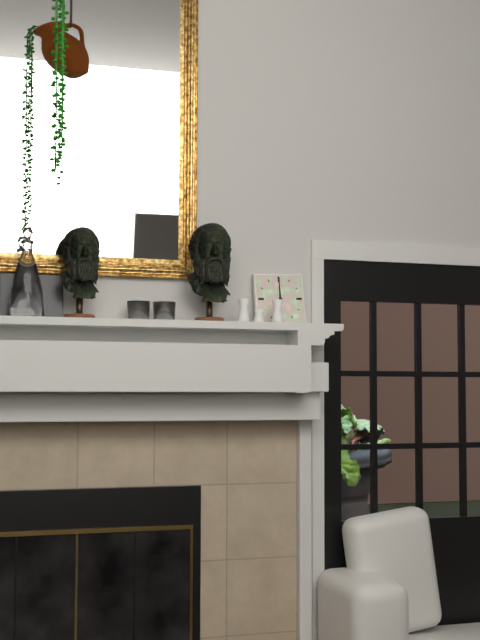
12:00
